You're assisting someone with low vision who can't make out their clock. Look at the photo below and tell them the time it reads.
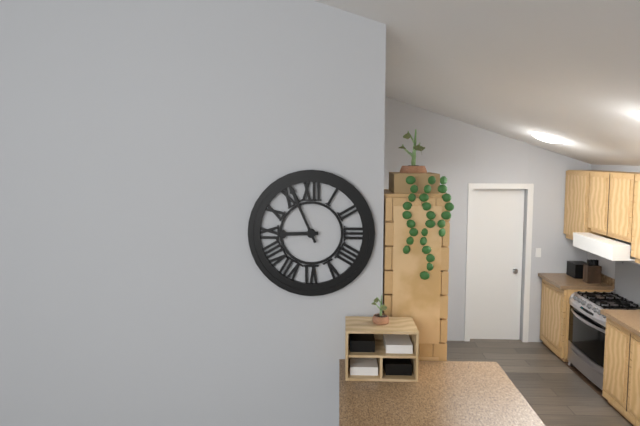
8:56
